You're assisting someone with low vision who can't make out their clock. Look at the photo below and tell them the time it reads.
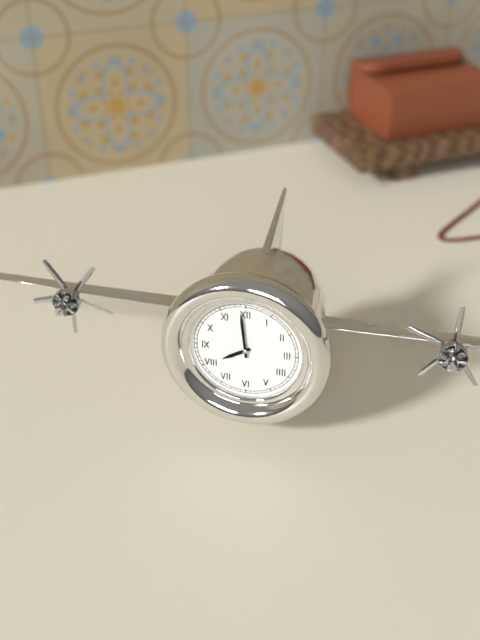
7:59
